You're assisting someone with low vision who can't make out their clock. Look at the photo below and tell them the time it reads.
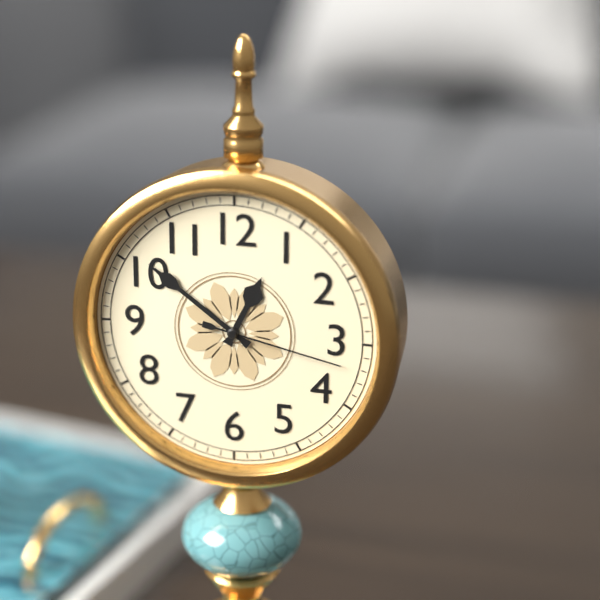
12:51:17
